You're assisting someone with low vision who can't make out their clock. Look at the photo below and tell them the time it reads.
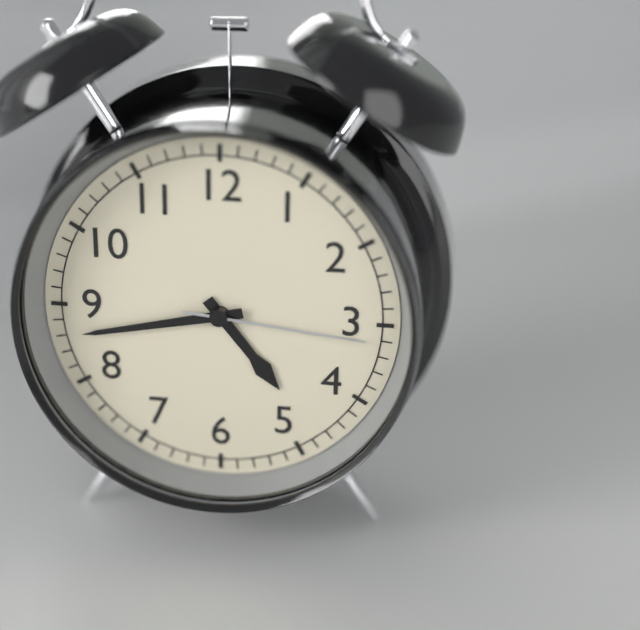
4:43:16
